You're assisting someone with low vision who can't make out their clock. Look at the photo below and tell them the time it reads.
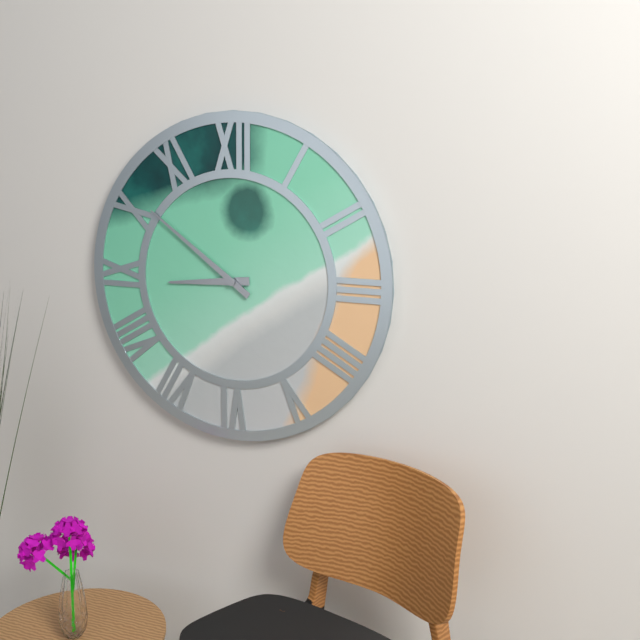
8:51
